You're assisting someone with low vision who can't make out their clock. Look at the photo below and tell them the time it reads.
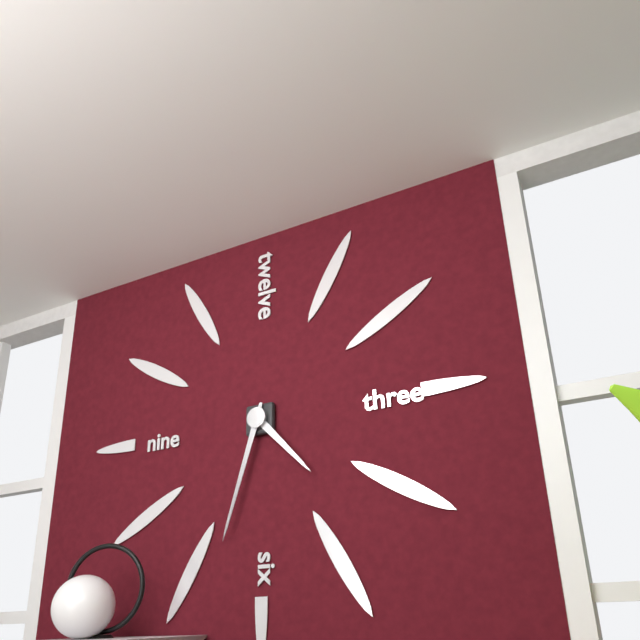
4:33
